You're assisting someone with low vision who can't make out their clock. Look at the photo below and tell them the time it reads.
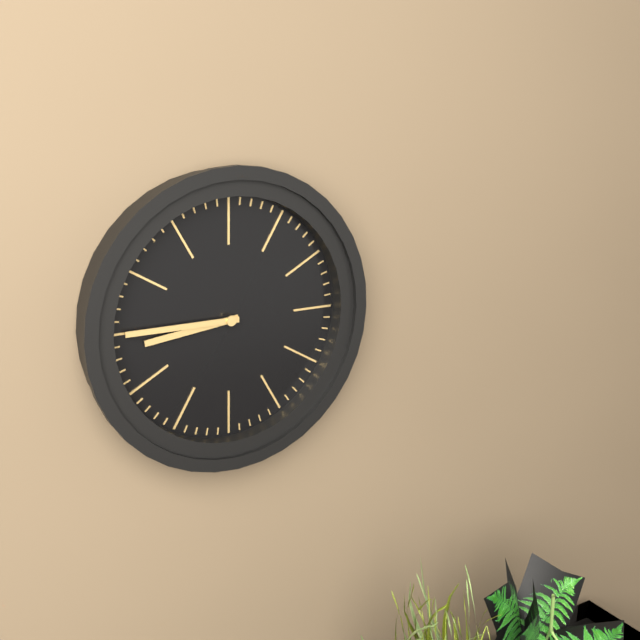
8:45
